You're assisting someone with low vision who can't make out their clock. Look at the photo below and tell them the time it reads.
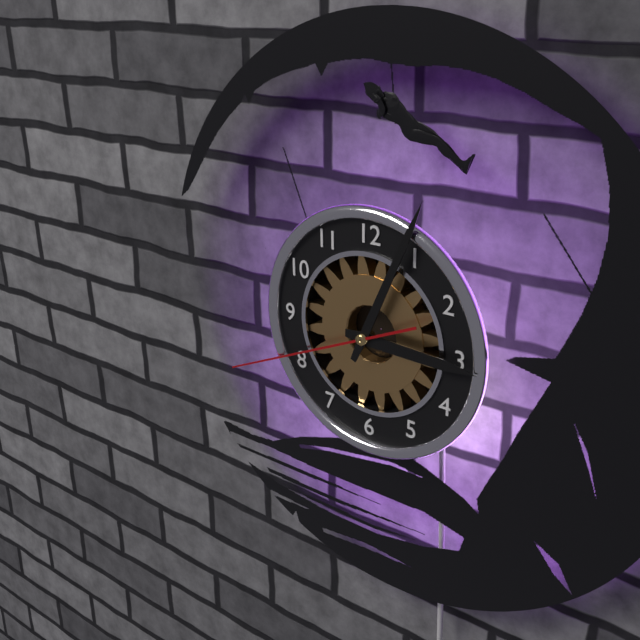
3:04:41
